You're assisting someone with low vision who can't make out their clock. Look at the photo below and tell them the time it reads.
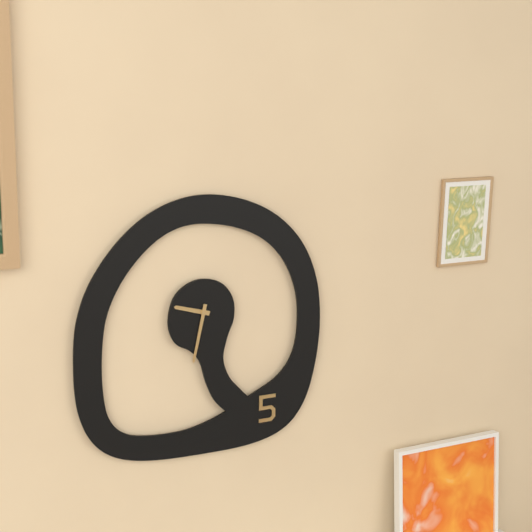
9:32
